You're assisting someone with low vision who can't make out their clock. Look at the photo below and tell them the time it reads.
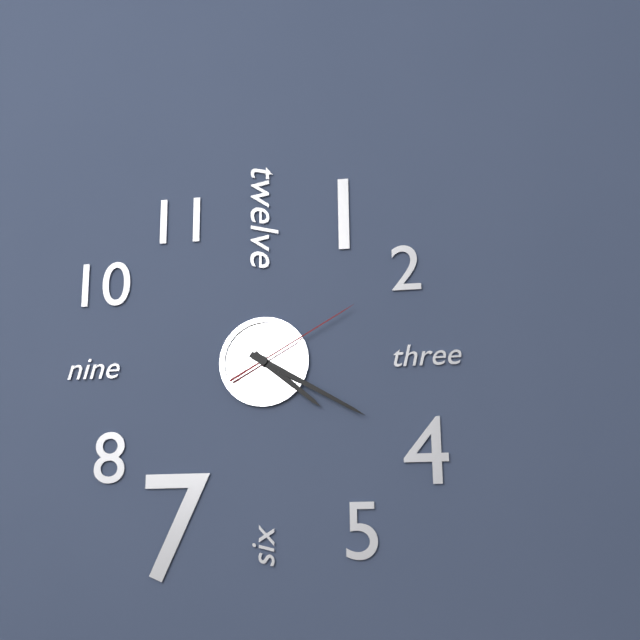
4:20:10
